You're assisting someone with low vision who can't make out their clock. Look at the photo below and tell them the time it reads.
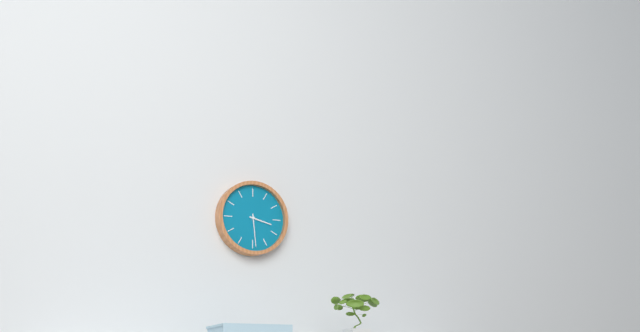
3:29
